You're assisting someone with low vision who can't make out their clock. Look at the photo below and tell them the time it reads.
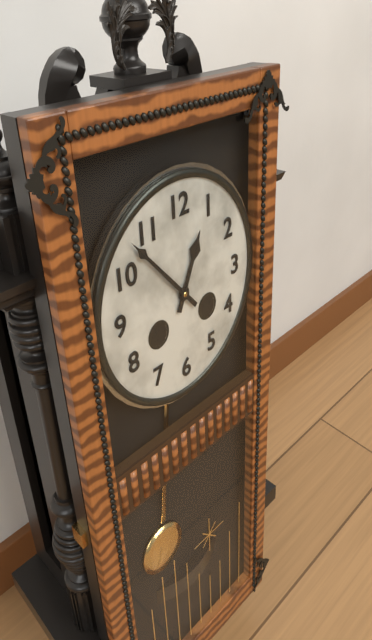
12:53
